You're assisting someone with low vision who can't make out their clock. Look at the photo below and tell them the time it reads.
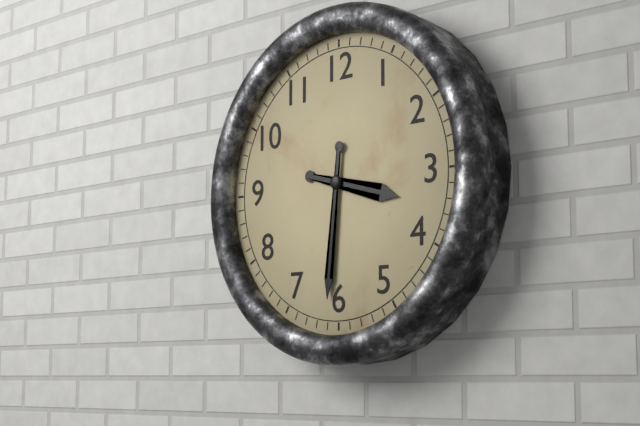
3:31
